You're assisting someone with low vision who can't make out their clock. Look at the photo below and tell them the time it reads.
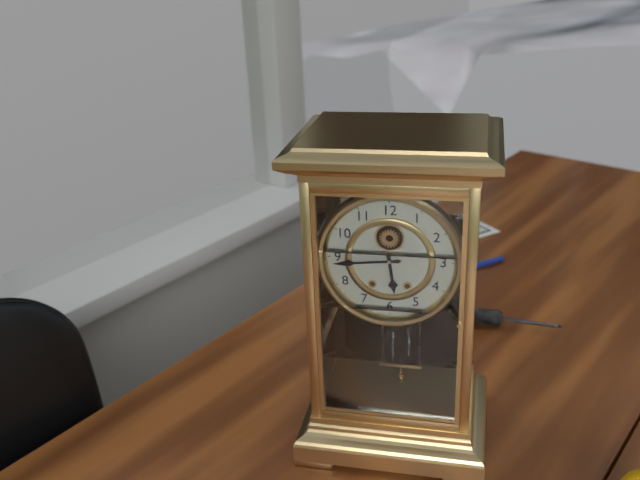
5:44
